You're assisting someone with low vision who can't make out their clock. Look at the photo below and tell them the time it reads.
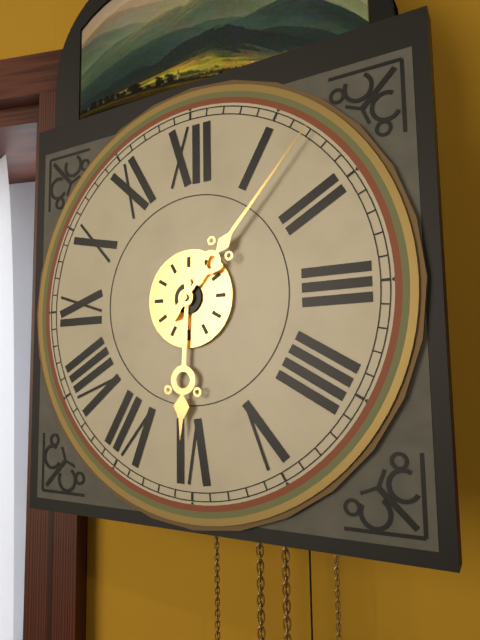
6:07
